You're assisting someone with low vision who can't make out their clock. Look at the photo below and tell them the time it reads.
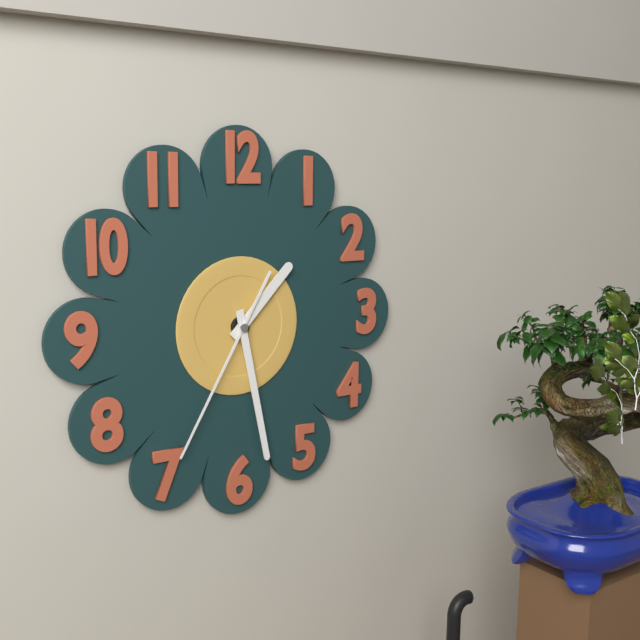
1:28:35
